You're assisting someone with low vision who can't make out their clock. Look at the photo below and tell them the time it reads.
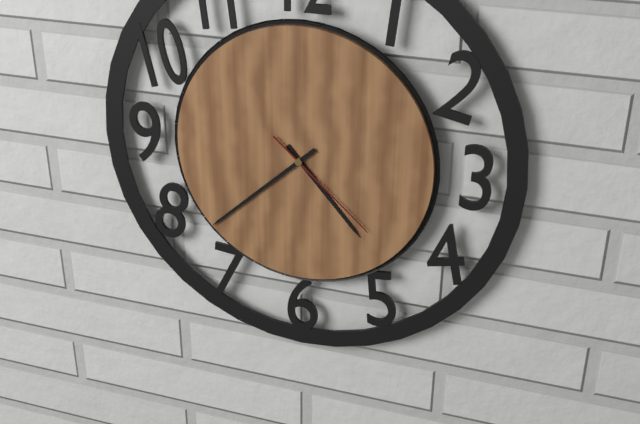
4:38:22
